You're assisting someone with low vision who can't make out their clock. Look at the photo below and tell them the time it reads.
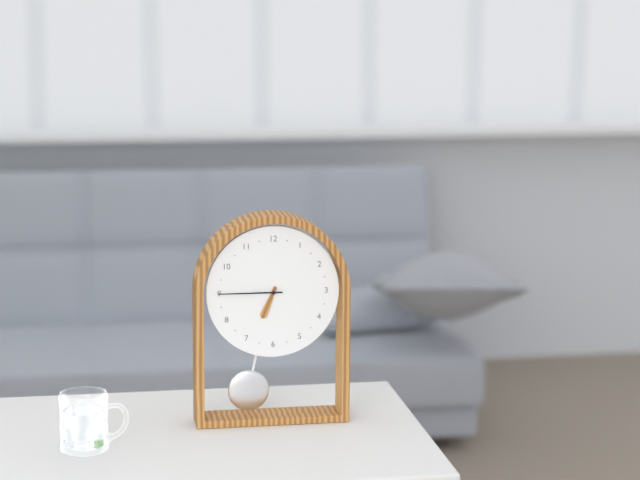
6:45
